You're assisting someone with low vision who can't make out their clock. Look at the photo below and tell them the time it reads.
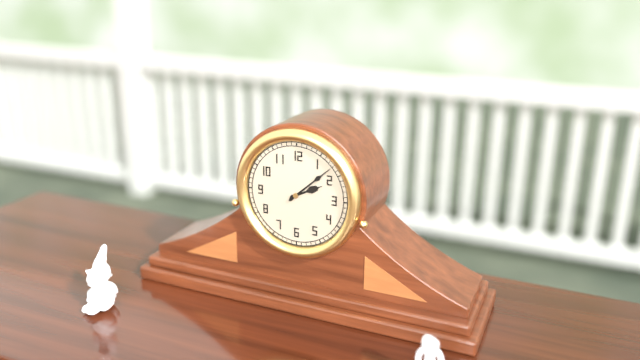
2:08
